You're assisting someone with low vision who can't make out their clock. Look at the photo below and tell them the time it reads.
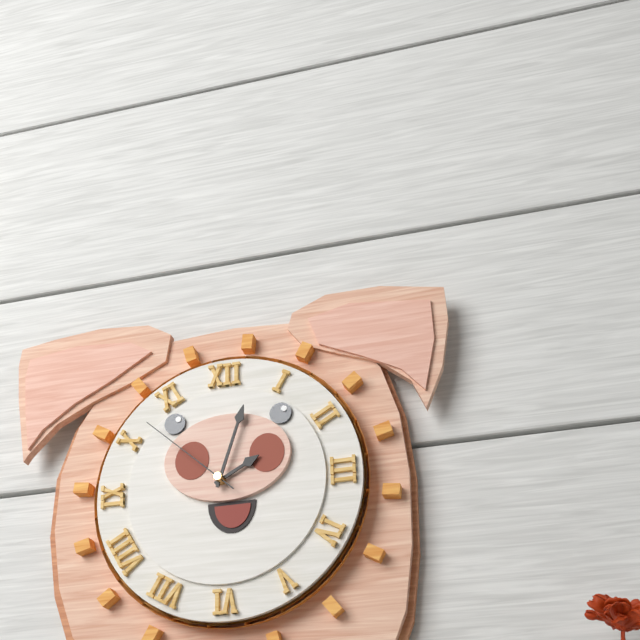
2:03:52
